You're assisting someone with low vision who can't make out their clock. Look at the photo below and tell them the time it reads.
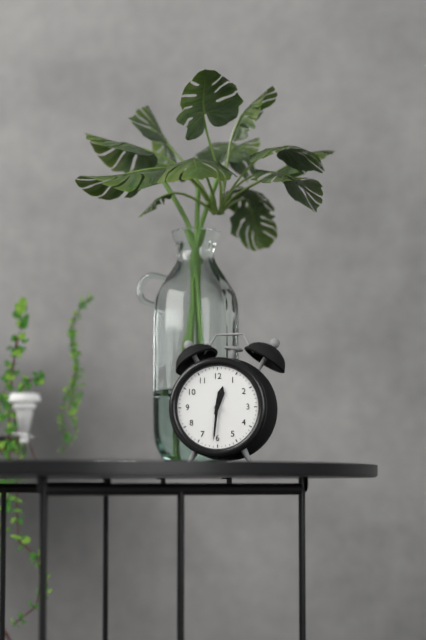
12:31
